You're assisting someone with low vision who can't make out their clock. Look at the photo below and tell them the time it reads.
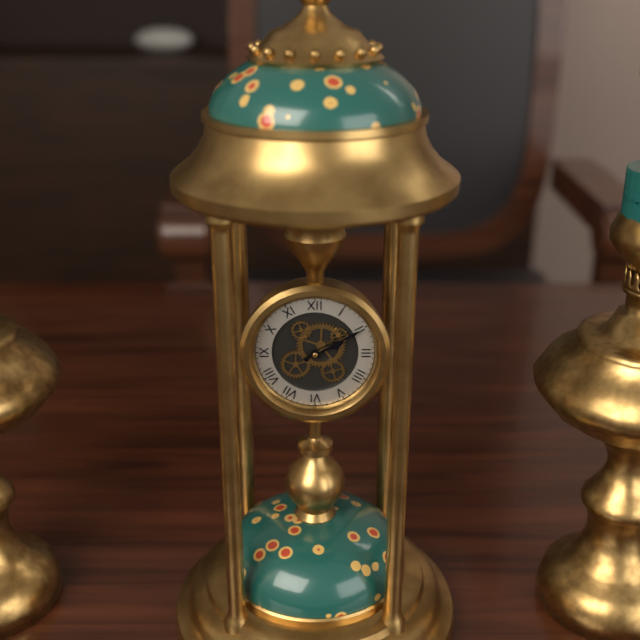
2:10
